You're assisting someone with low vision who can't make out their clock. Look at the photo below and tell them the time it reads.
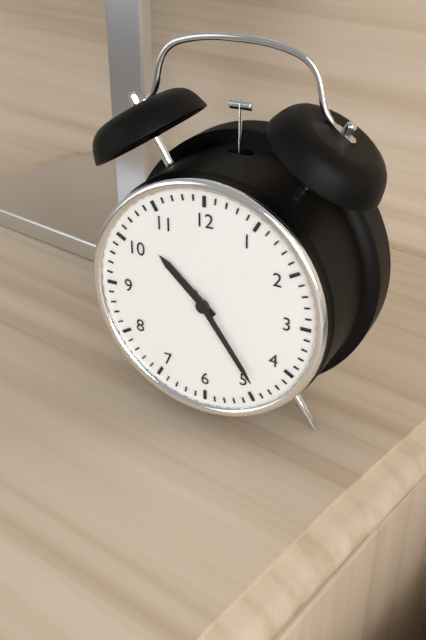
10:24
